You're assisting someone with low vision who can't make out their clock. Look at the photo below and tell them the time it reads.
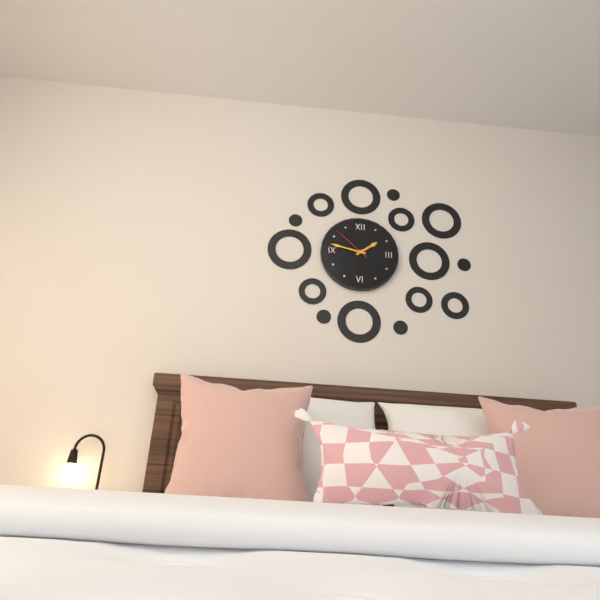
1:47
